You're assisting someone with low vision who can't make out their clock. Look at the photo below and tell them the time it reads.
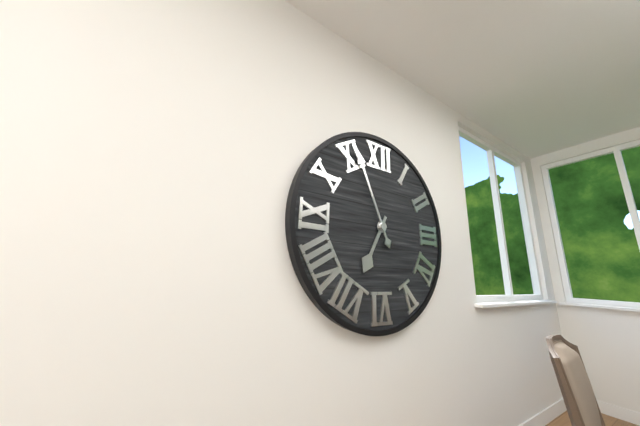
6:56
